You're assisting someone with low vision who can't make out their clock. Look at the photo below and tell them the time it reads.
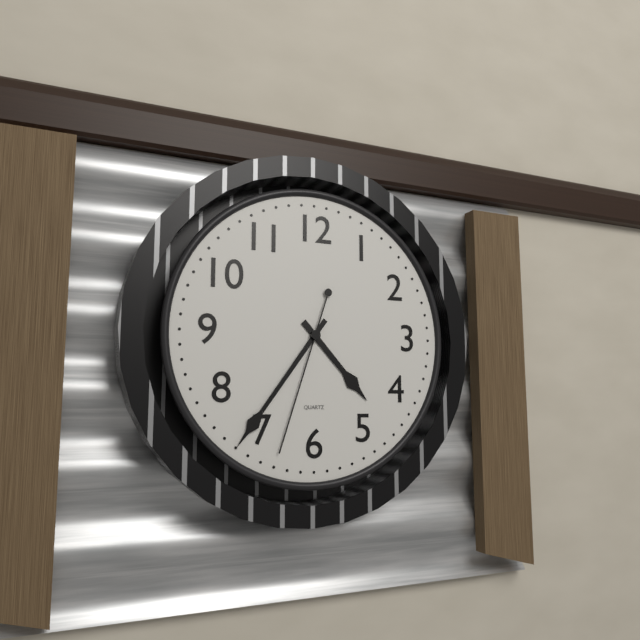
4:36:33
